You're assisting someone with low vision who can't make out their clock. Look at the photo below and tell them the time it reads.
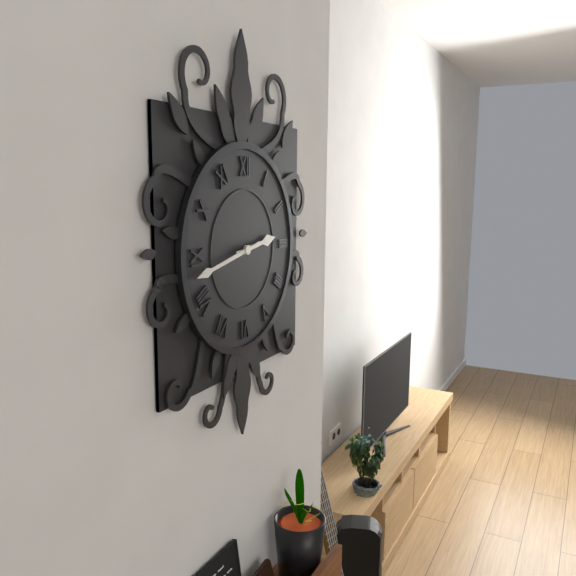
2:43
